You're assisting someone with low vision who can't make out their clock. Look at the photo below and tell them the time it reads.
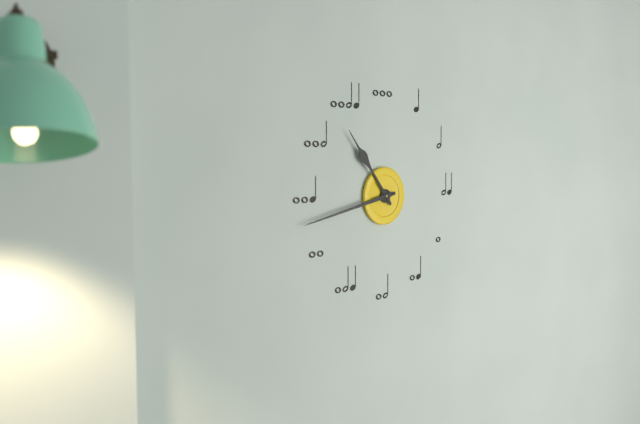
10:43
